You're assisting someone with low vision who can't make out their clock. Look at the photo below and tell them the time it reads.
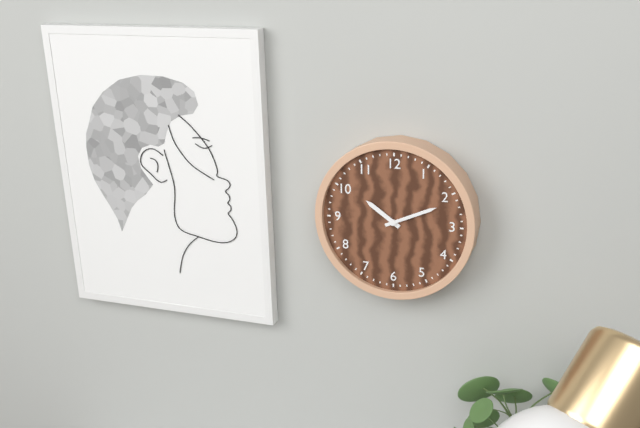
10:11
